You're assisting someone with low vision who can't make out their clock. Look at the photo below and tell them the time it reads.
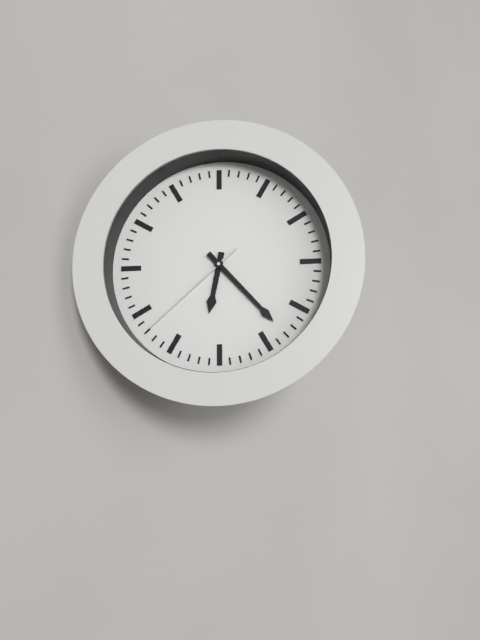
6:23:38
